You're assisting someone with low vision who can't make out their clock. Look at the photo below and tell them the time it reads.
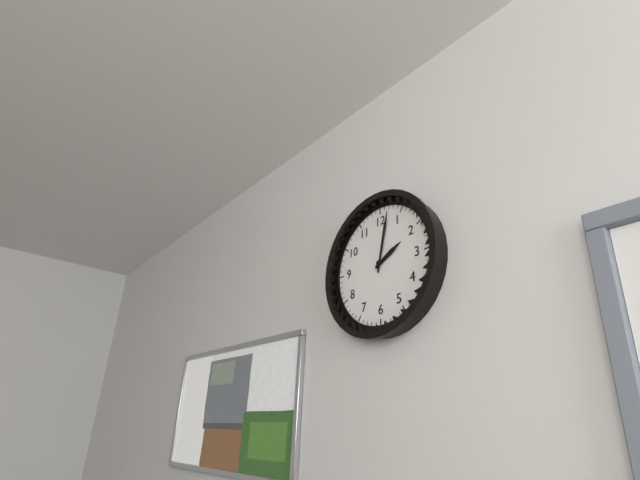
2:02
